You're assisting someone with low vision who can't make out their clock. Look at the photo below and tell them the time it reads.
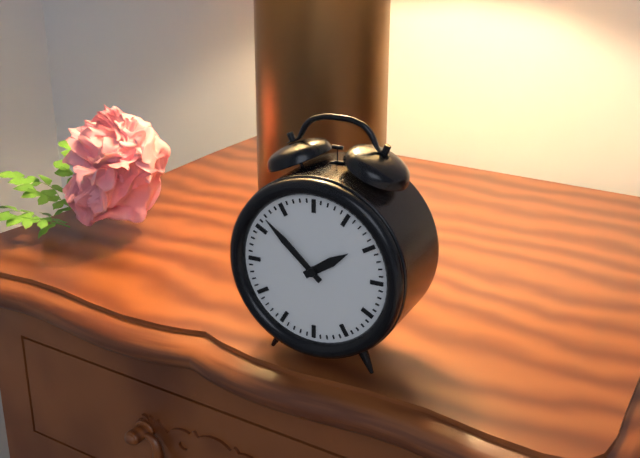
1:52
